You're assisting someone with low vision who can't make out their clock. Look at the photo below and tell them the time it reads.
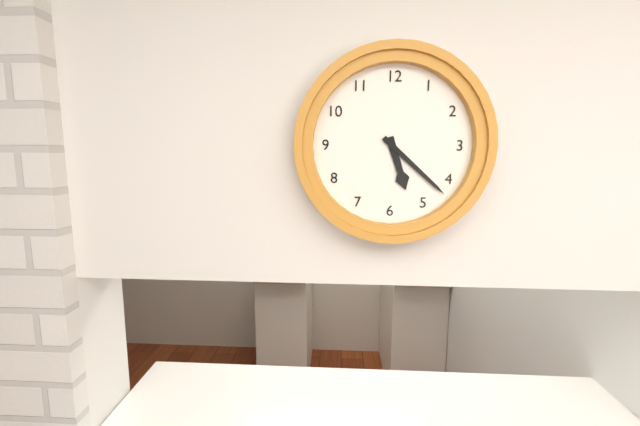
5:22
